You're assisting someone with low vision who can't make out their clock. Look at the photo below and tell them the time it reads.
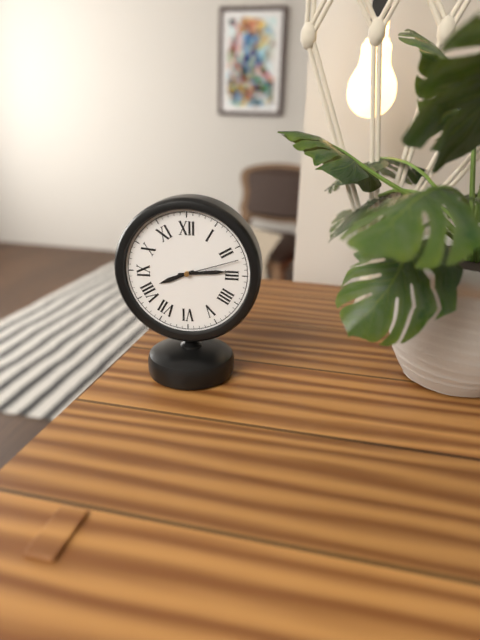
8:14:12
